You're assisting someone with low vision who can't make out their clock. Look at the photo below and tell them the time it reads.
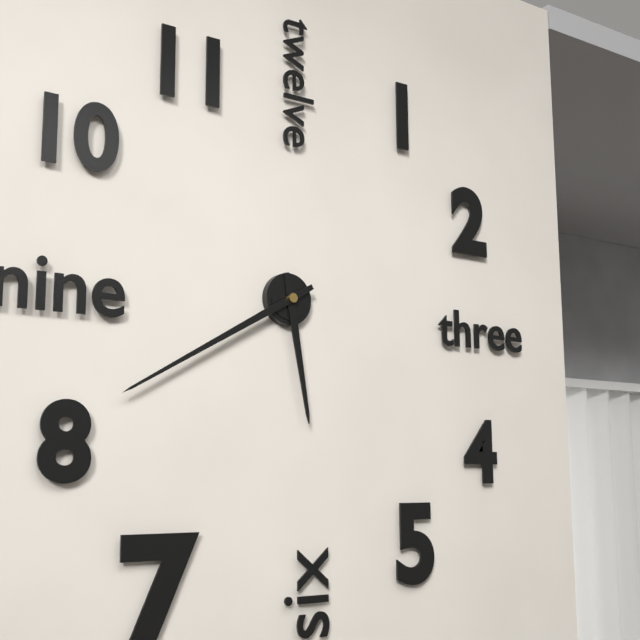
5:40
